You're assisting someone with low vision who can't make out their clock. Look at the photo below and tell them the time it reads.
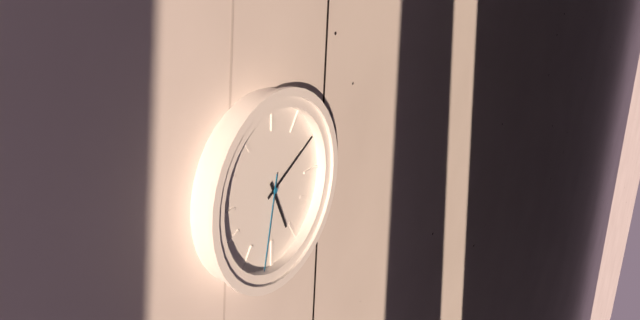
5:10:32
